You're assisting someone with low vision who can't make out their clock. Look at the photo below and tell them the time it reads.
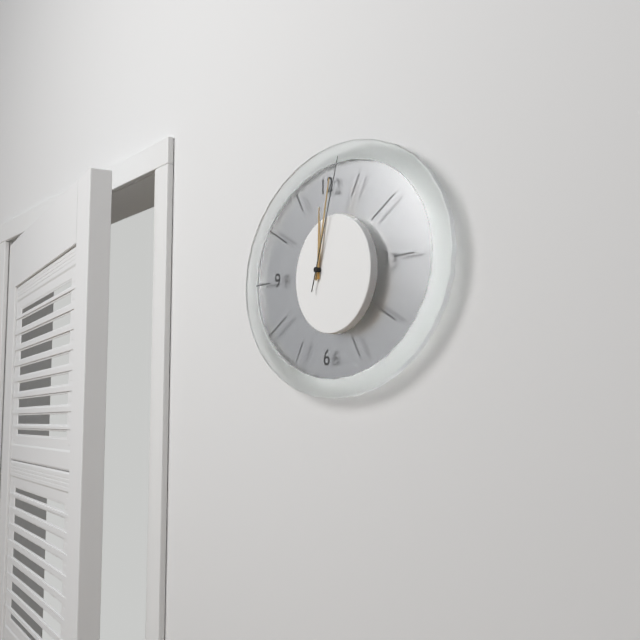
12:02:03
